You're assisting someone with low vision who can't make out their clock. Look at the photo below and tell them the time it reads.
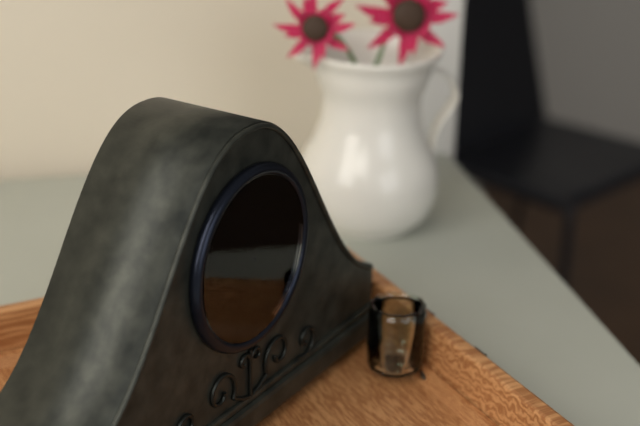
2:44
